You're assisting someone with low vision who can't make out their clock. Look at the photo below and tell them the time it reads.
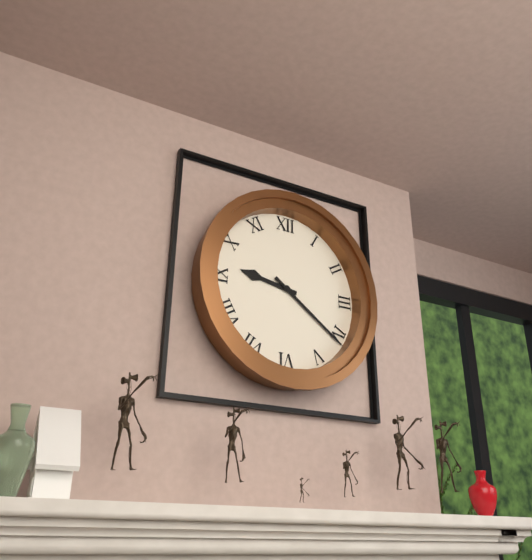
9:21
